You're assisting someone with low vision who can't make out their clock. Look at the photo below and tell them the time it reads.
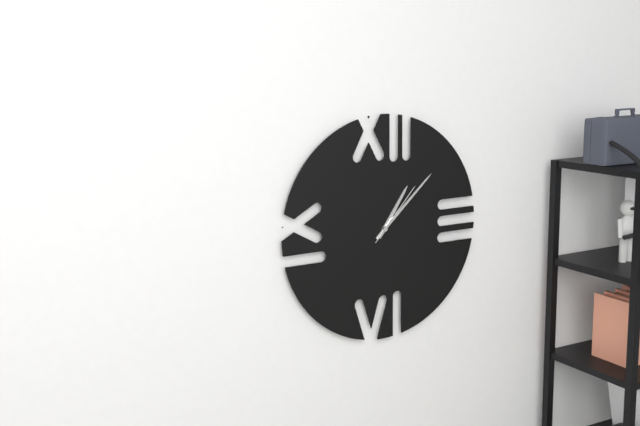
1:08:07
